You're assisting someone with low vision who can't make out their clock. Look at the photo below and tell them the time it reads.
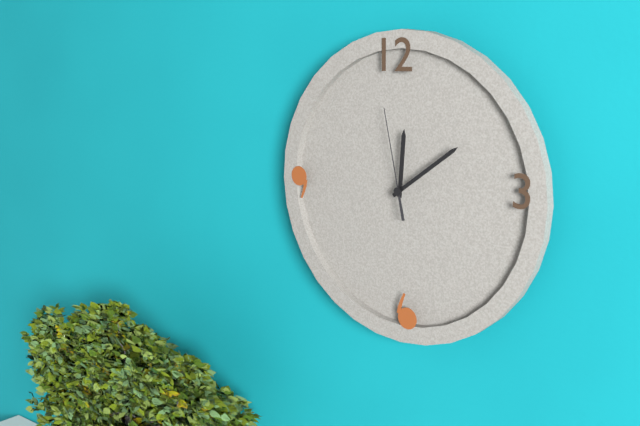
12:09:58
